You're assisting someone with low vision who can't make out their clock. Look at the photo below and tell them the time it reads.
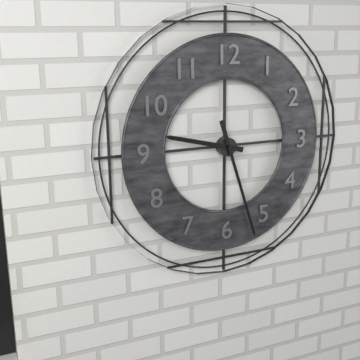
9:27
